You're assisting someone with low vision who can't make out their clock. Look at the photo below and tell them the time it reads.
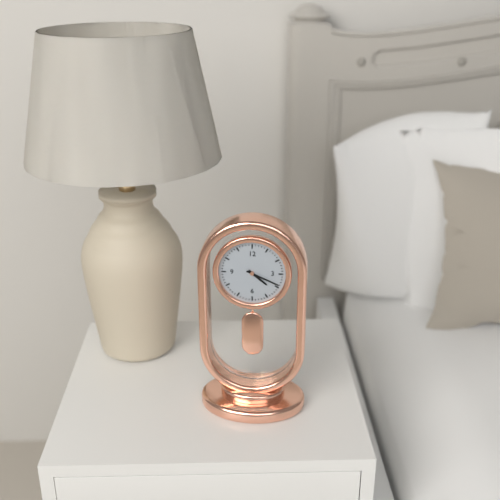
4:19
